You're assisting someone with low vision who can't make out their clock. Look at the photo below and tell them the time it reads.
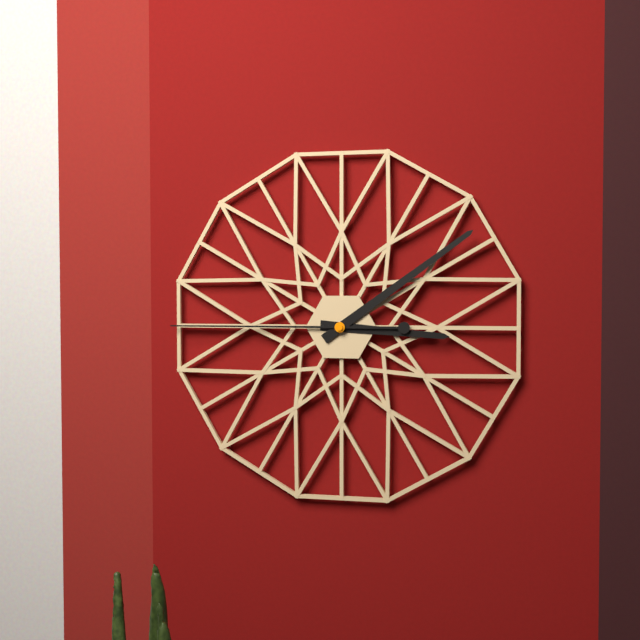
3:09:45
